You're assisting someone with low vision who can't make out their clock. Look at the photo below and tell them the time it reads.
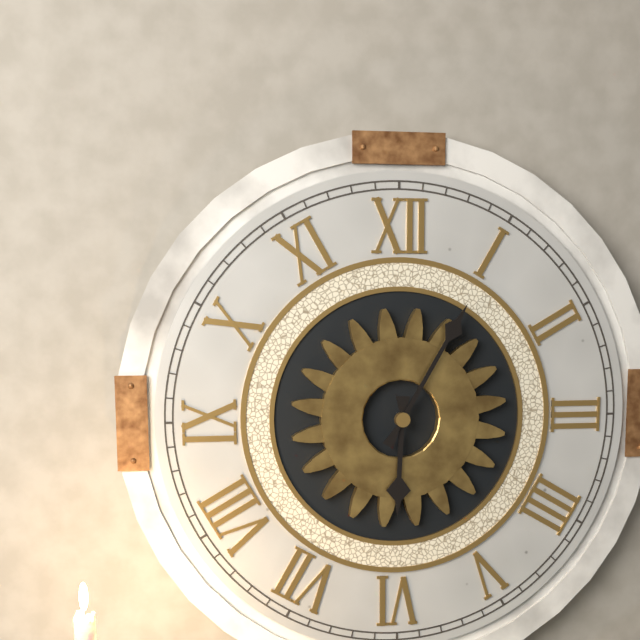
6:05
